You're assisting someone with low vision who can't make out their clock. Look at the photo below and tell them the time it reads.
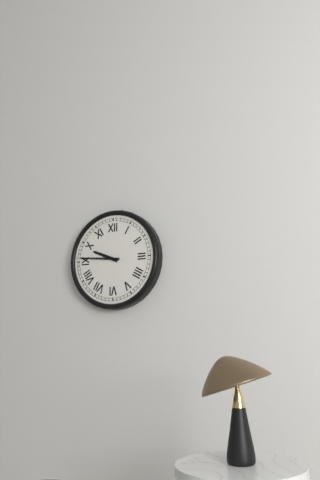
9:46
